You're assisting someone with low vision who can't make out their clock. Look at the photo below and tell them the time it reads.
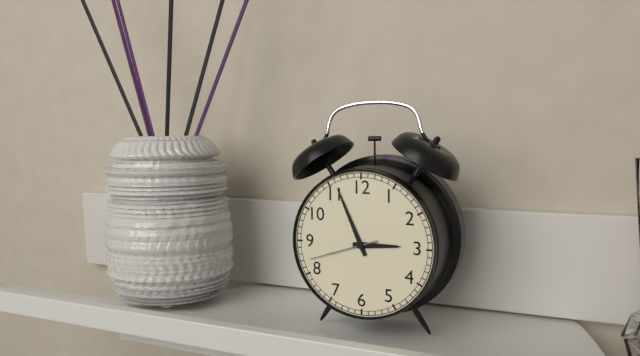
2:56:42
